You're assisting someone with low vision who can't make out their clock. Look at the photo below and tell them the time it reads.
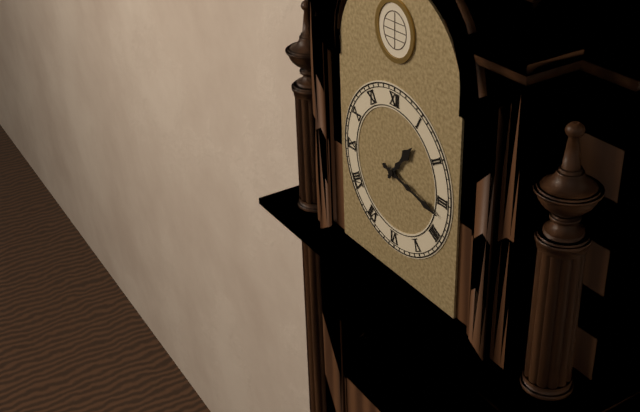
1:17
